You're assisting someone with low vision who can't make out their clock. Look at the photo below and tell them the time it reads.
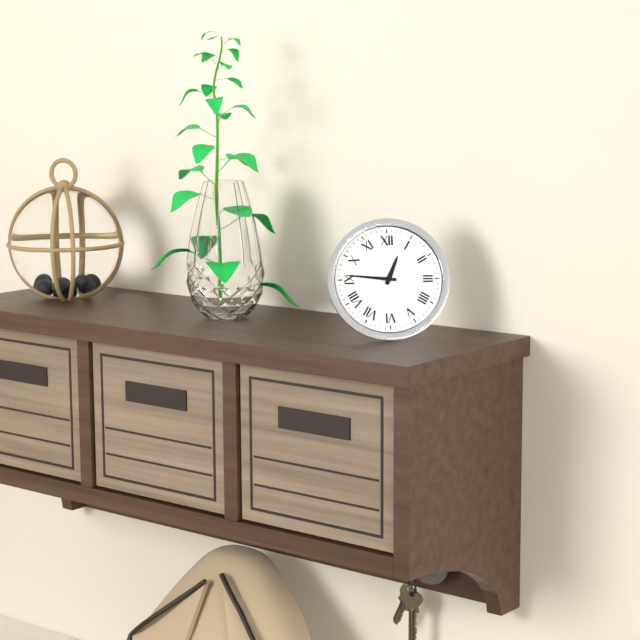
12:46
